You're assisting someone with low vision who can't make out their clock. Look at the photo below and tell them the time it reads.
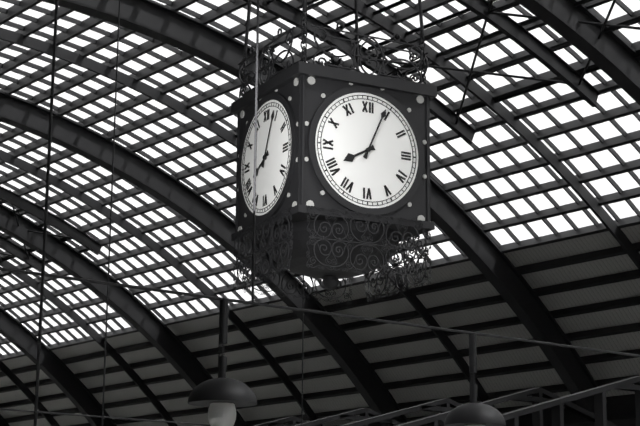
8:04
